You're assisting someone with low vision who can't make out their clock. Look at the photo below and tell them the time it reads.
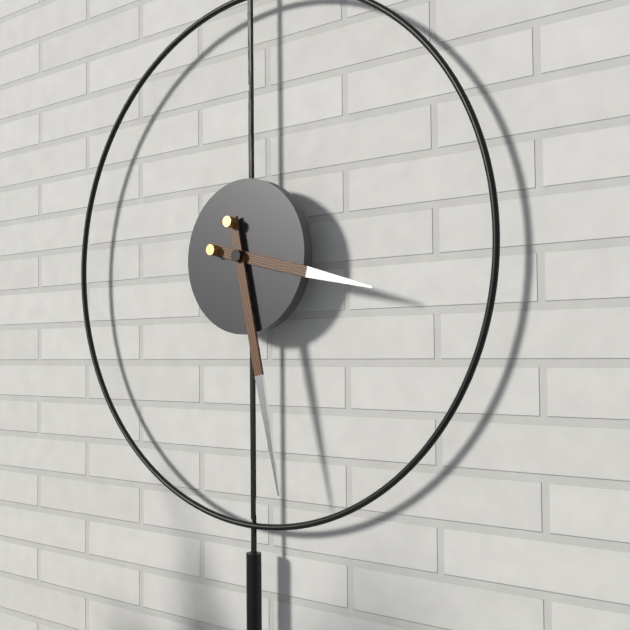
3:28
